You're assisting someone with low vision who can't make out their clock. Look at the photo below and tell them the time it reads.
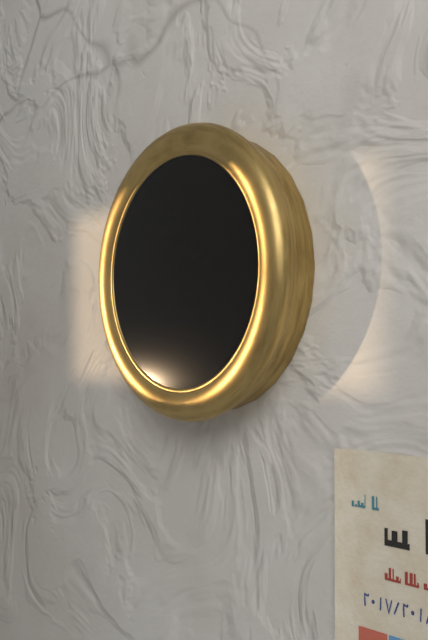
1:17:04
